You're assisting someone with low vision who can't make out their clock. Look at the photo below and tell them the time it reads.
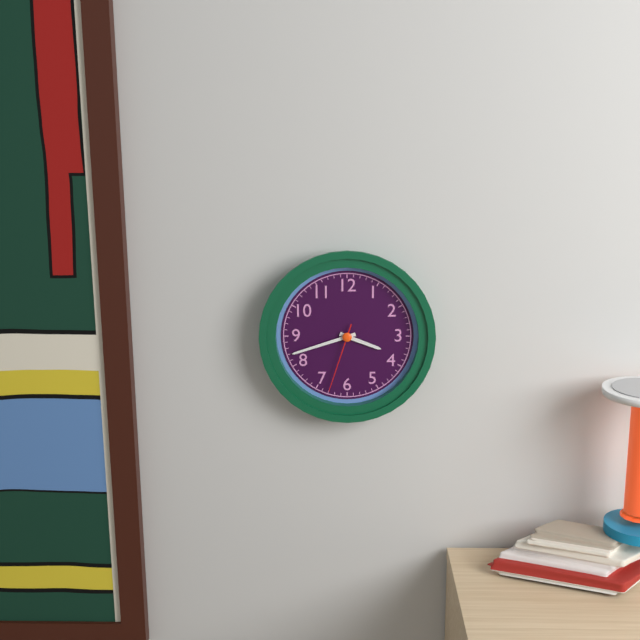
3:42:33
